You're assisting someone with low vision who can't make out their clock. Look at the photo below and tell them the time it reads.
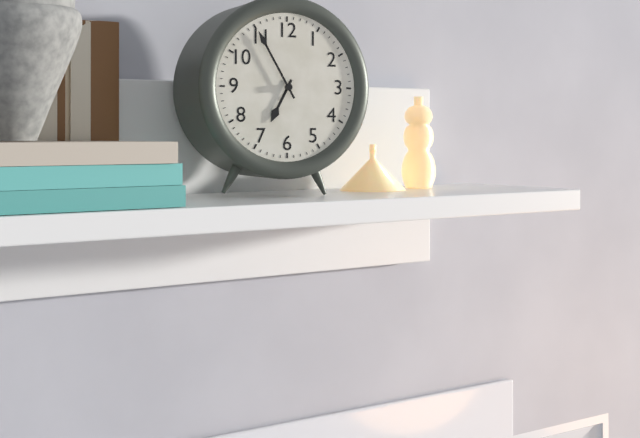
6:55
